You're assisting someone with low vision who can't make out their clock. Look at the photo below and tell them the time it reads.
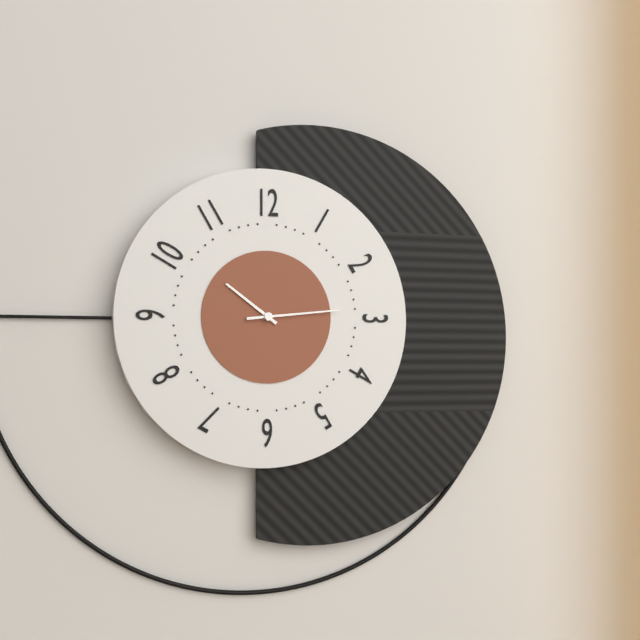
10:14
